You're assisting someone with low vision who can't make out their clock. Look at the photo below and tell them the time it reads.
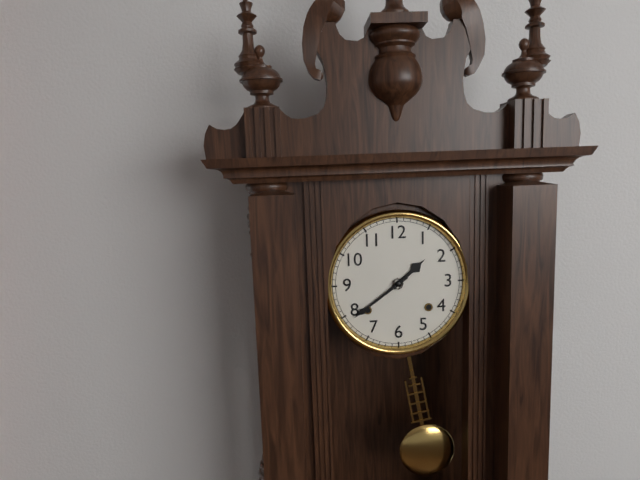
1:39
